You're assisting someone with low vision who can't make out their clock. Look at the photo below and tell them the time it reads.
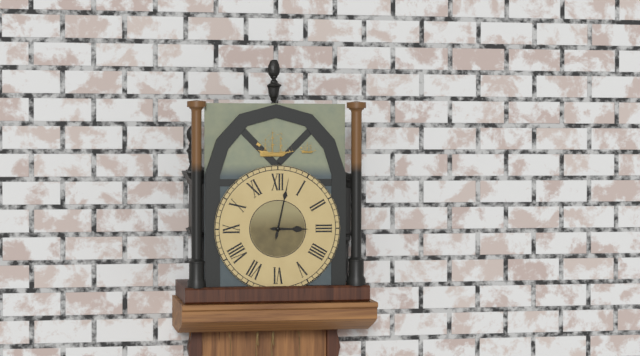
3:02
